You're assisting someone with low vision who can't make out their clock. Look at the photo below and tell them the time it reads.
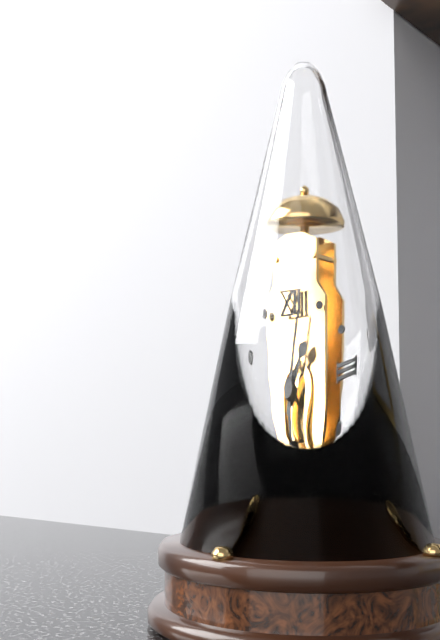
1:02
